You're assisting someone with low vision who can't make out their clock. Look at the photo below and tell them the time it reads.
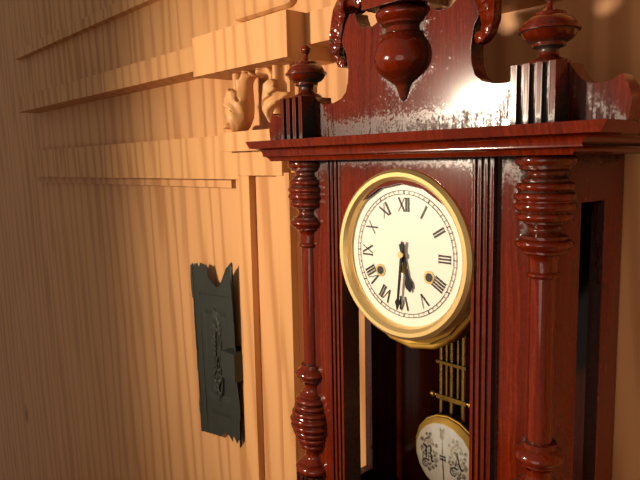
5:31
